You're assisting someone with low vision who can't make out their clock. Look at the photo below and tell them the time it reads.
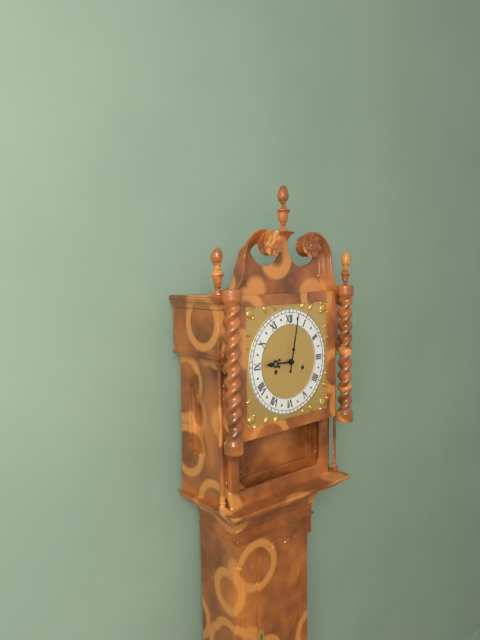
9:02
